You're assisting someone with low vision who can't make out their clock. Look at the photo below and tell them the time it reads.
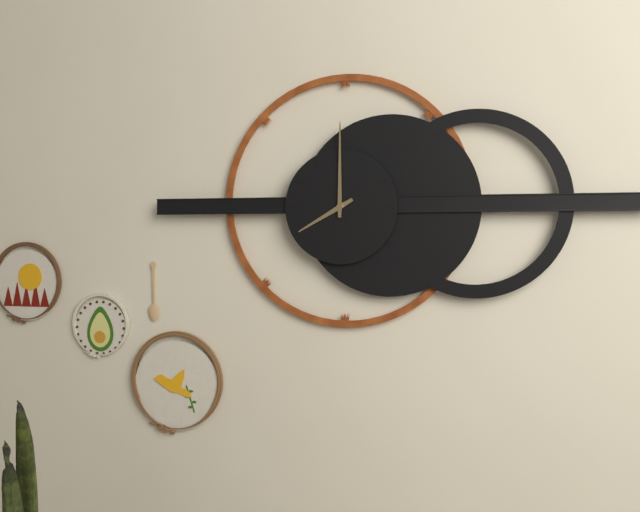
8:00
